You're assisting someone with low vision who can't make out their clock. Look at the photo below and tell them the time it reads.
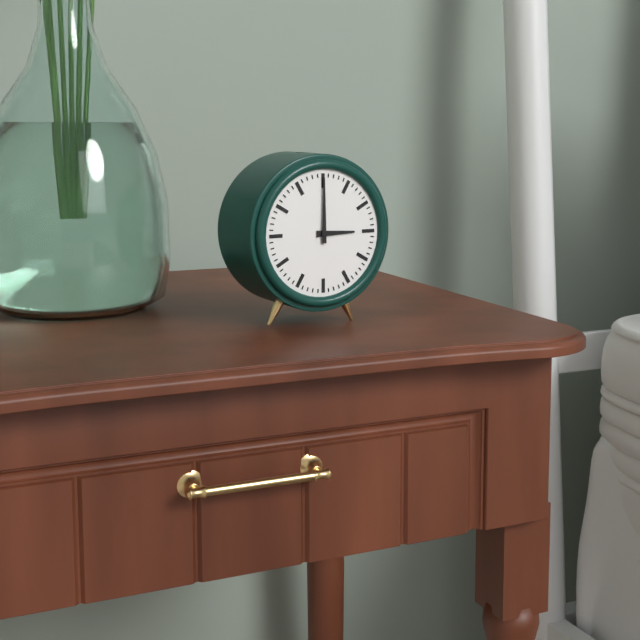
3:00
